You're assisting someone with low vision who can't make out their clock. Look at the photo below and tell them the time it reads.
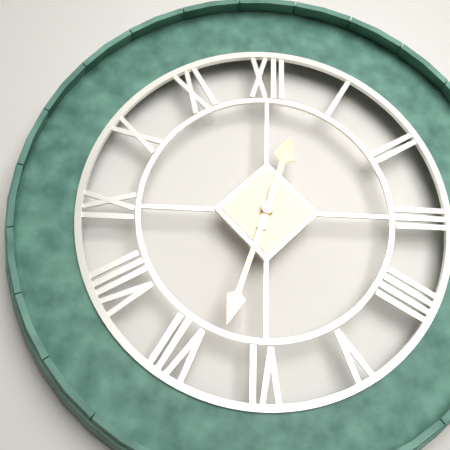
12:33
